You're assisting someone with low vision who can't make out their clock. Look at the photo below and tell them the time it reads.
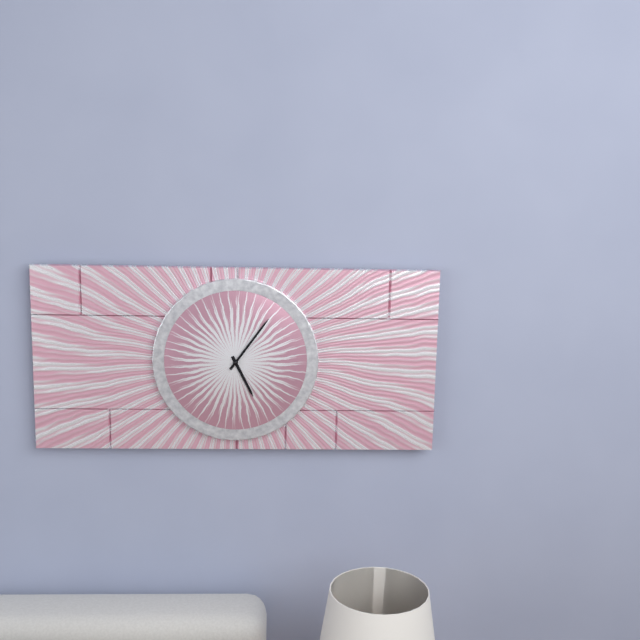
5:06
